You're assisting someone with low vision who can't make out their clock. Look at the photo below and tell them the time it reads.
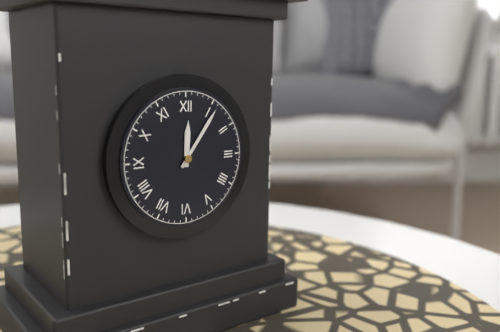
12:06
